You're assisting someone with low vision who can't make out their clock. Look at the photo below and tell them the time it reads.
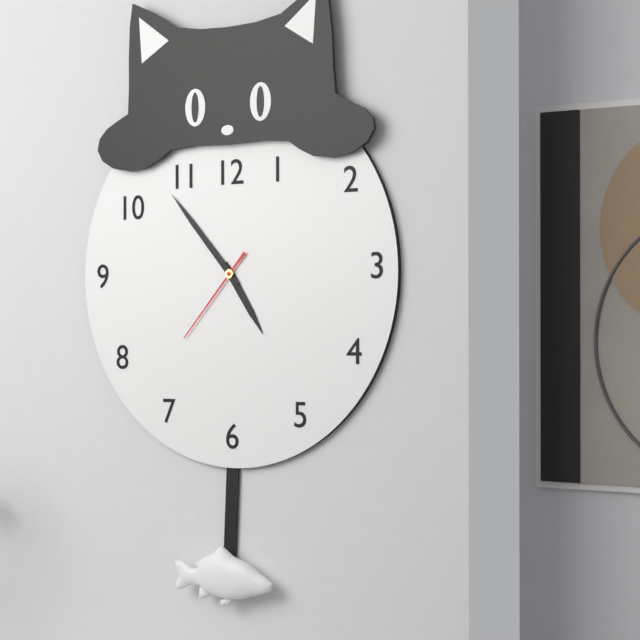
4:53:37
